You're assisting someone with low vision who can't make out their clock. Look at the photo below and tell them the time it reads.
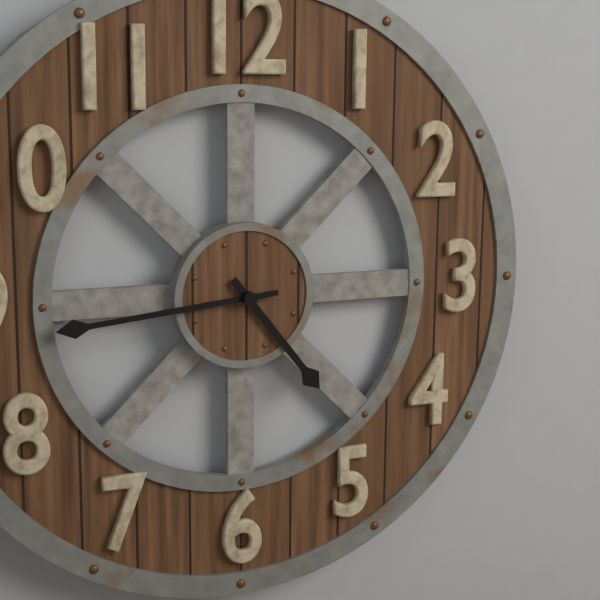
4:44
